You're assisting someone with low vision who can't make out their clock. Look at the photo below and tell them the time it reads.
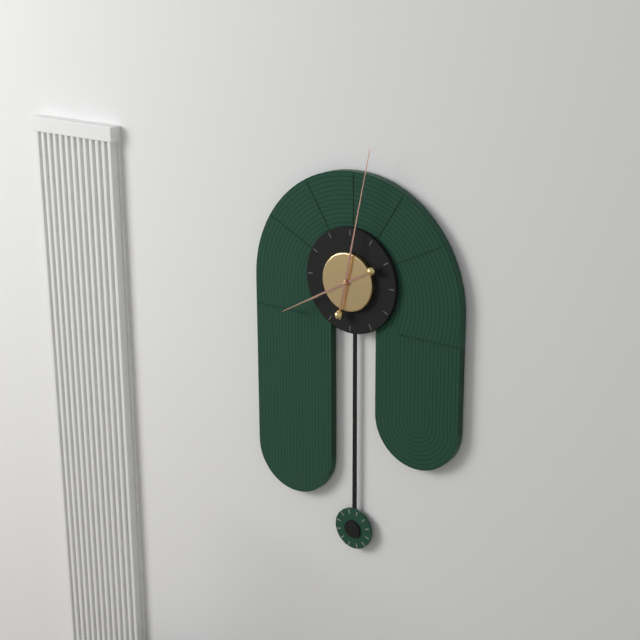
8:02
